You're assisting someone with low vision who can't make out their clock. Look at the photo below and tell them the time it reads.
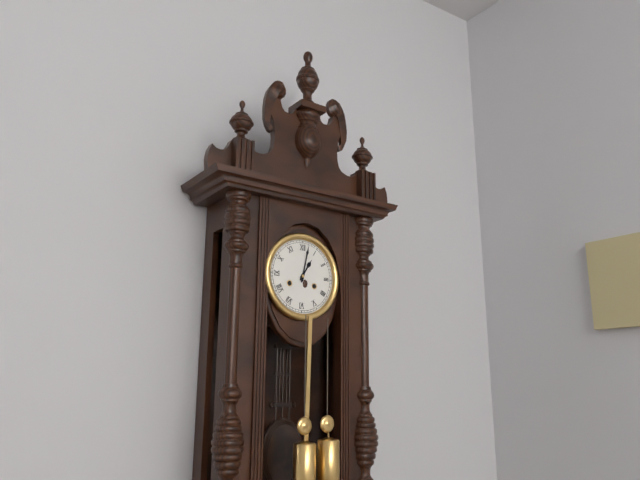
1:02
